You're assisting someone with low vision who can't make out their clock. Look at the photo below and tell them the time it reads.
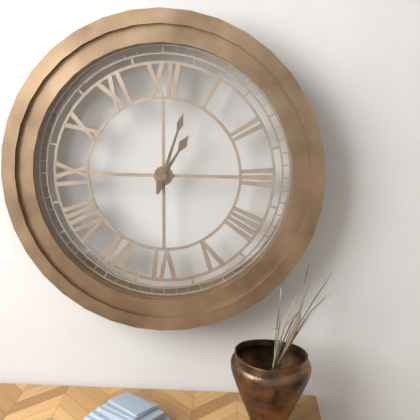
1:03
